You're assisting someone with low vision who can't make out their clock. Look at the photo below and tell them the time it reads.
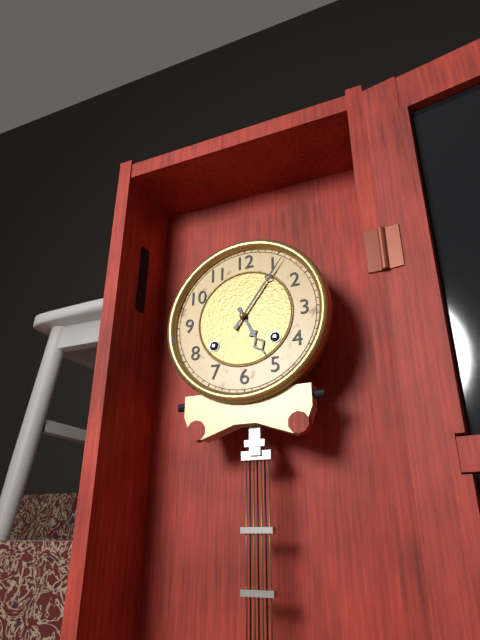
5:06
